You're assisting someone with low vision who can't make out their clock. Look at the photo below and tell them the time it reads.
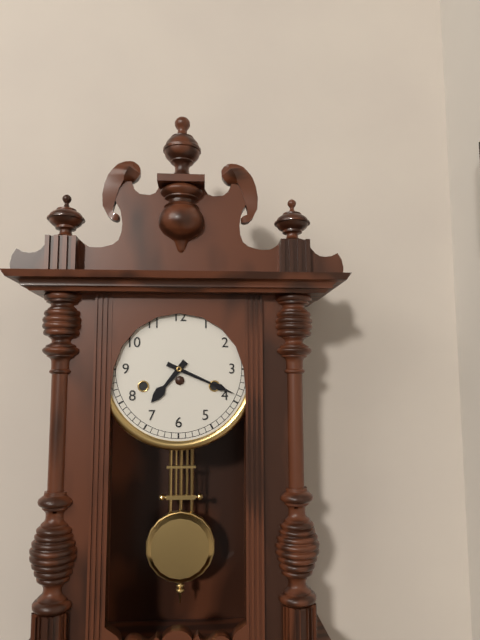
7:19
